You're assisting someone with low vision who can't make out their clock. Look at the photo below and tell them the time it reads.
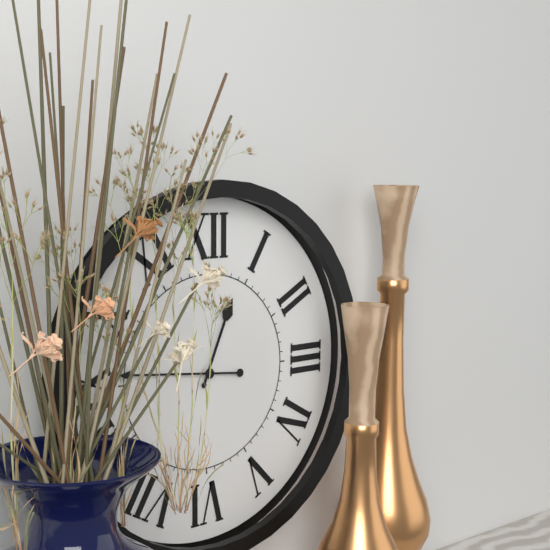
12:46
